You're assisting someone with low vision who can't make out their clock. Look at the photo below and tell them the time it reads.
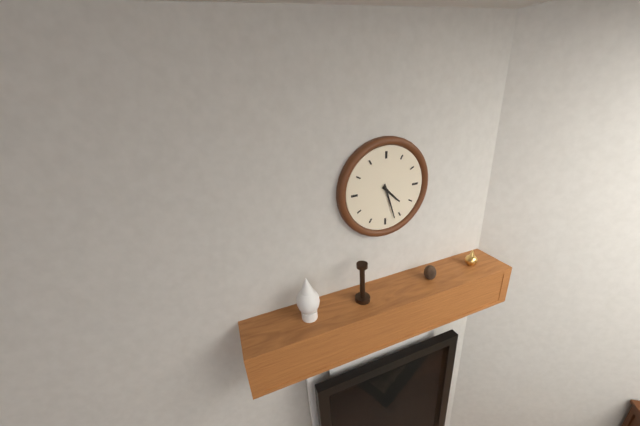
4:27
